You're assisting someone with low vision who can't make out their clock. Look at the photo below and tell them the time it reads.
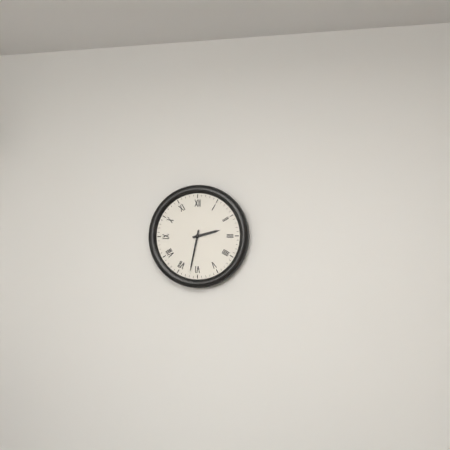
2:32
